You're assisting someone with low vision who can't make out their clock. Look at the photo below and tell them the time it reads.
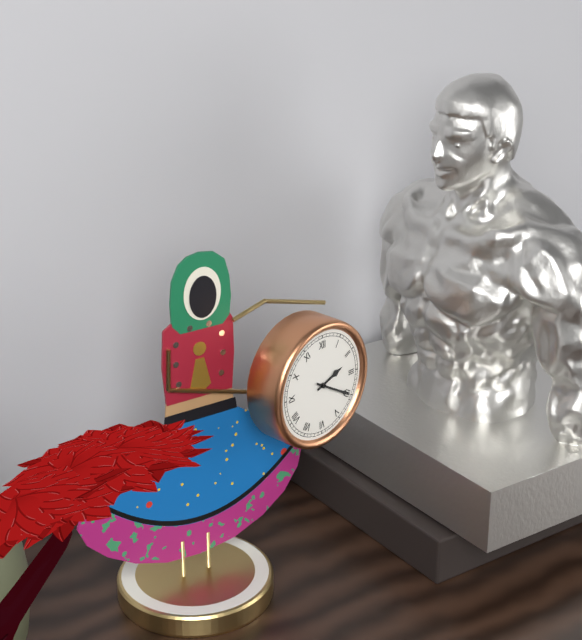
2:20
